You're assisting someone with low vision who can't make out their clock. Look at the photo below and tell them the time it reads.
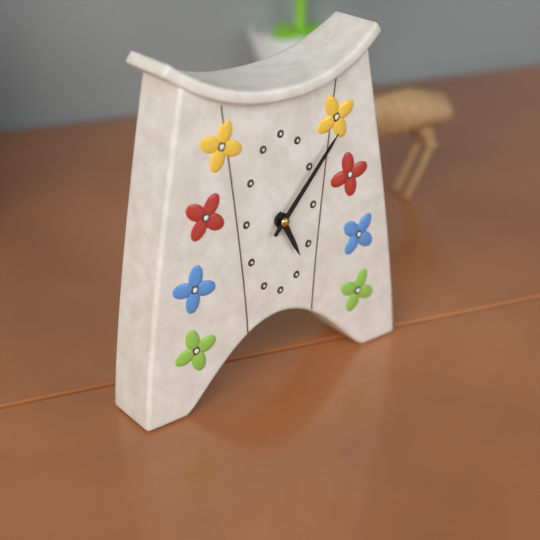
5:07
